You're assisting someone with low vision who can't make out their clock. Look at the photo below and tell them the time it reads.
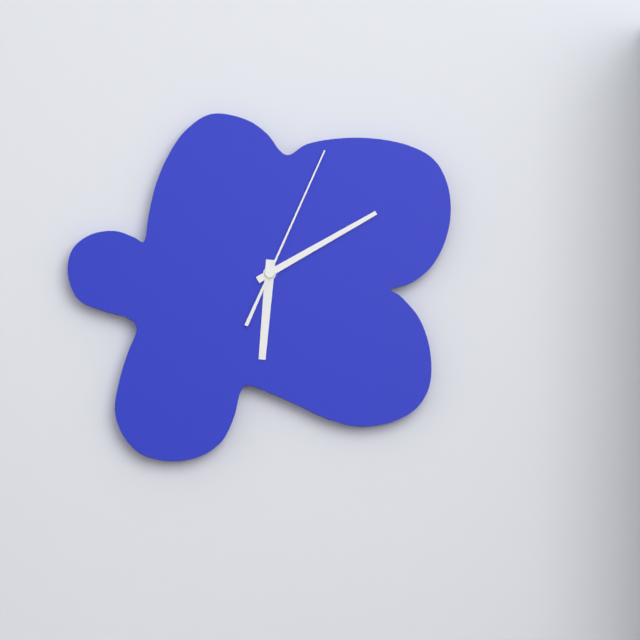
6:10:04
